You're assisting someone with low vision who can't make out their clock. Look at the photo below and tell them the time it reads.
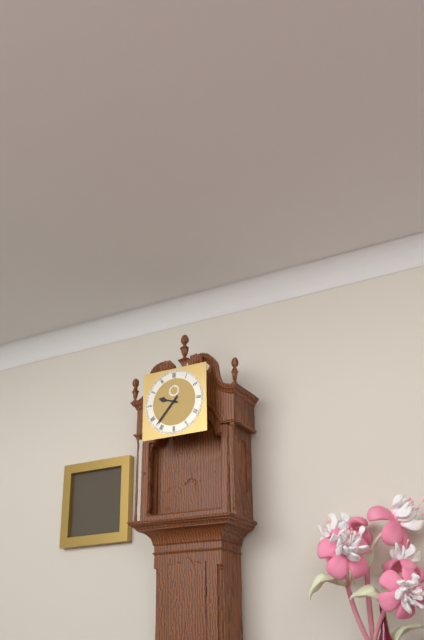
9:37
